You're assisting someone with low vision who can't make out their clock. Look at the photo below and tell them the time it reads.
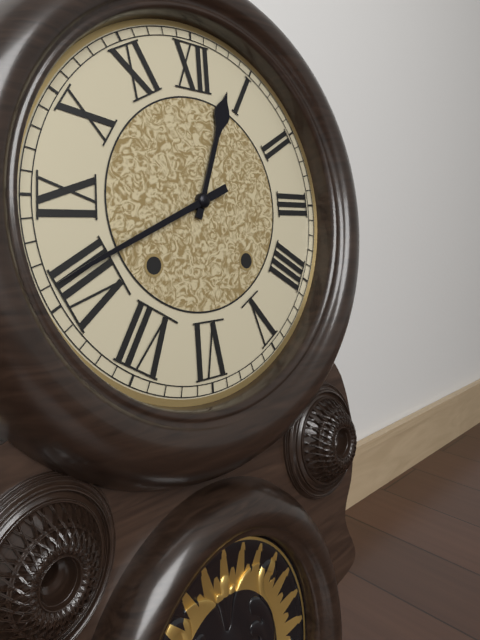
12:41
